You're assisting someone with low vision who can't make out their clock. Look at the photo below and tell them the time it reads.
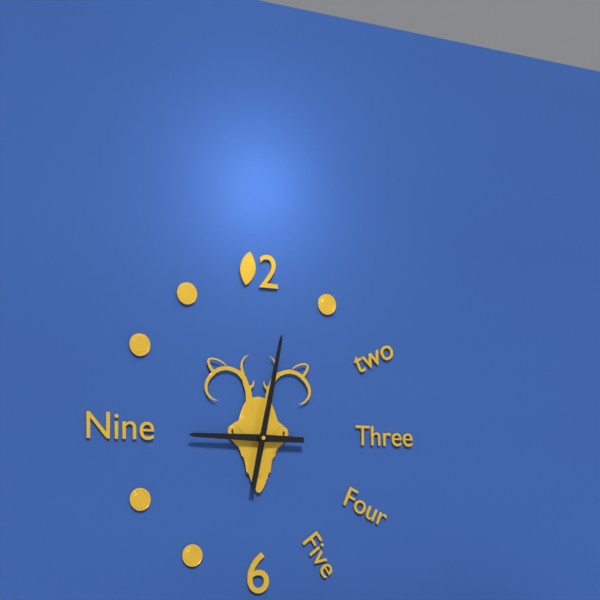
9:02
